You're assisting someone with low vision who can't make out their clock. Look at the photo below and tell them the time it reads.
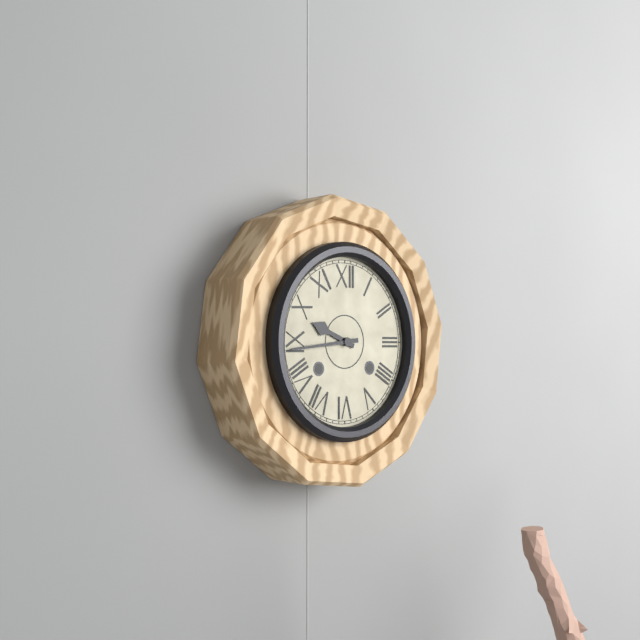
9:44
